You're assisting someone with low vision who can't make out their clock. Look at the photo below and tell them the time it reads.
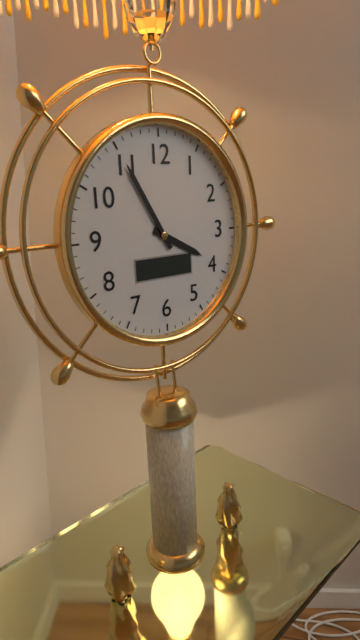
3:55
